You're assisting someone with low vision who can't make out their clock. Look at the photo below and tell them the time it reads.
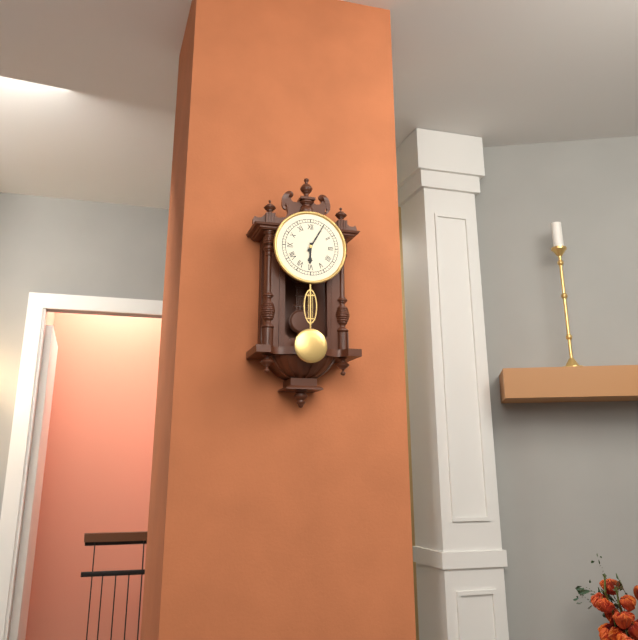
6:05
